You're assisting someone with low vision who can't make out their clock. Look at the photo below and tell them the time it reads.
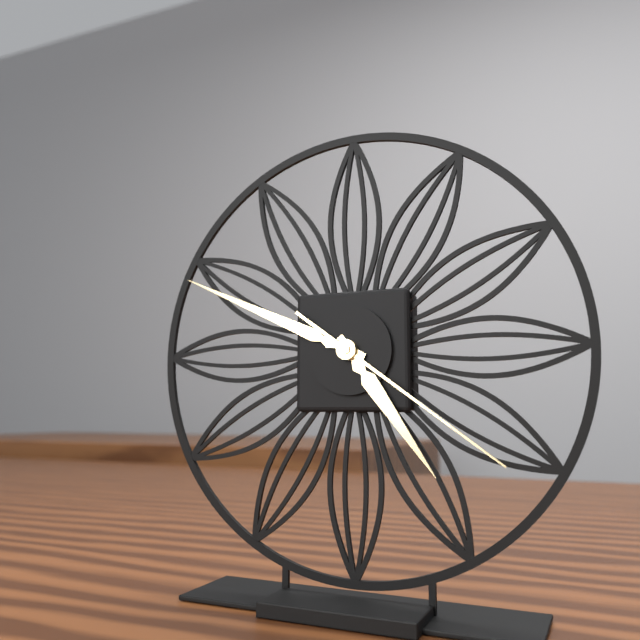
4:49:21
